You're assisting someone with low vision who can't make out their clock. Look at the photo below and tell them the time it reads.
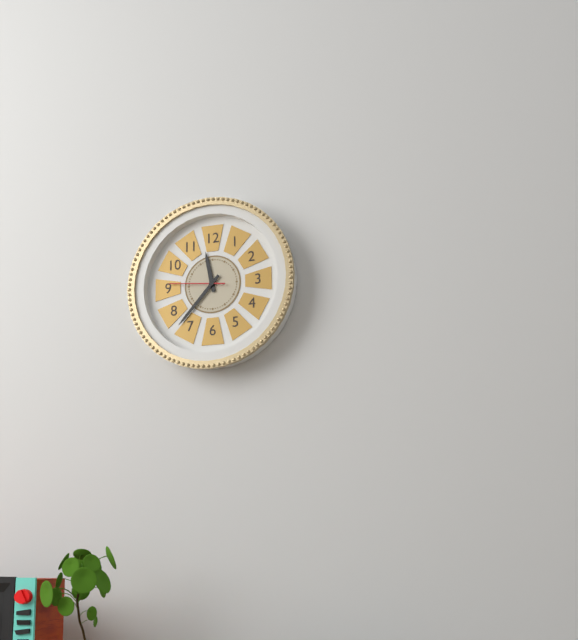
11:37:46
